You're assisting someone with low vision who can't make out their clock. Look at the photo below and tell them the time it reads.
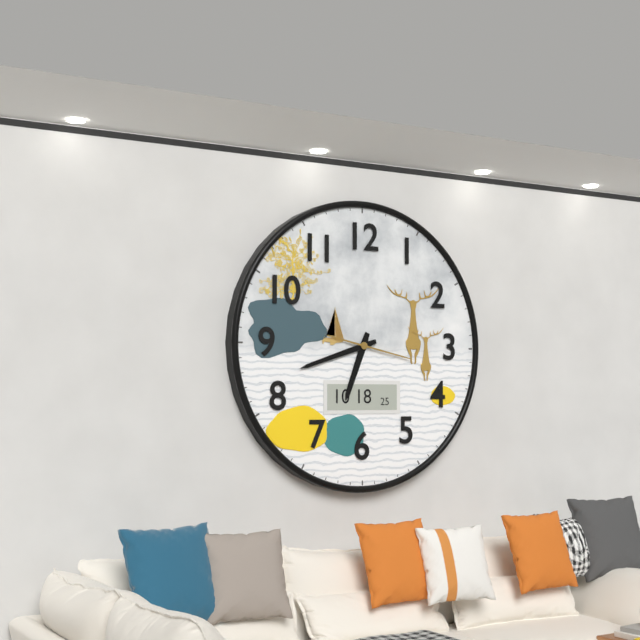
6:42:17
